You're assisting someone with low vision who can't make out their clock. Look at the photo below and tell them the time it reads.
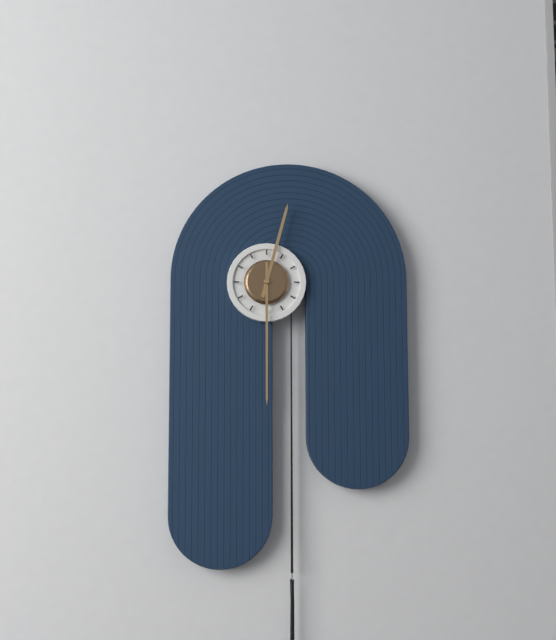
12:30
